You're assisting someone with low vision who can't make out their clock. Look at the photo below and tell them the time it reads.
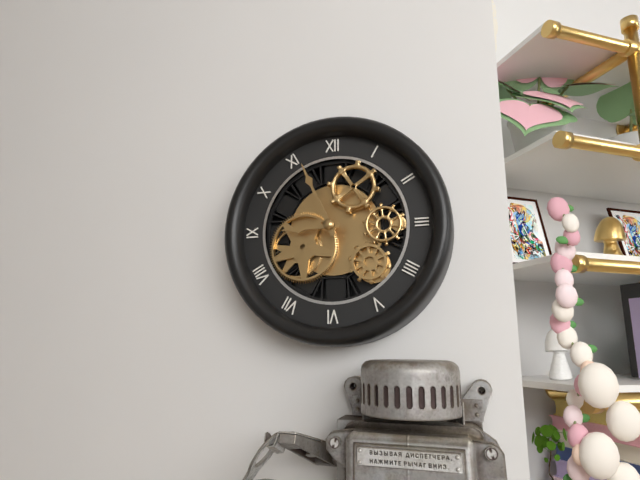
8:56
